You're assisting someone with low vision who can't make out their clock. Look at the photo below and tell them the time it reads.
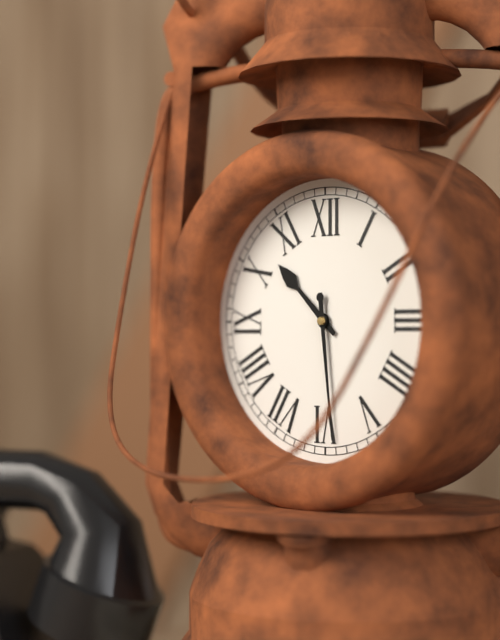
10:29
